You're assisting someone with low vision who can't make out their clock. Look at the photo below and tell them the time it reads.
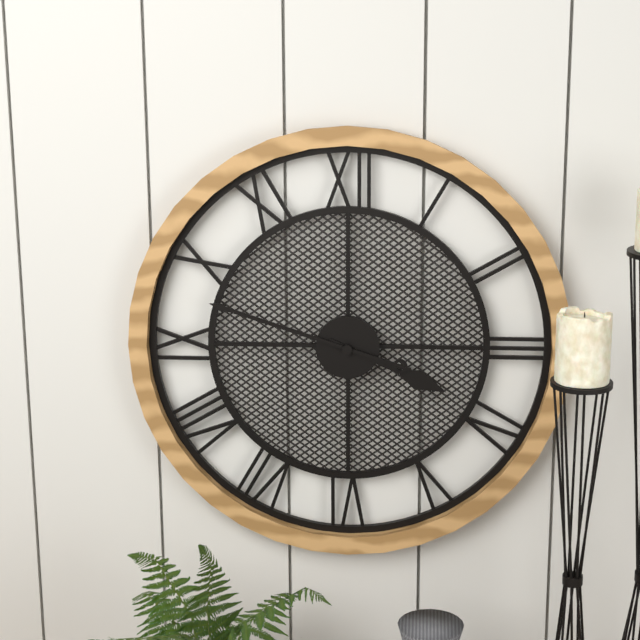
3:48
